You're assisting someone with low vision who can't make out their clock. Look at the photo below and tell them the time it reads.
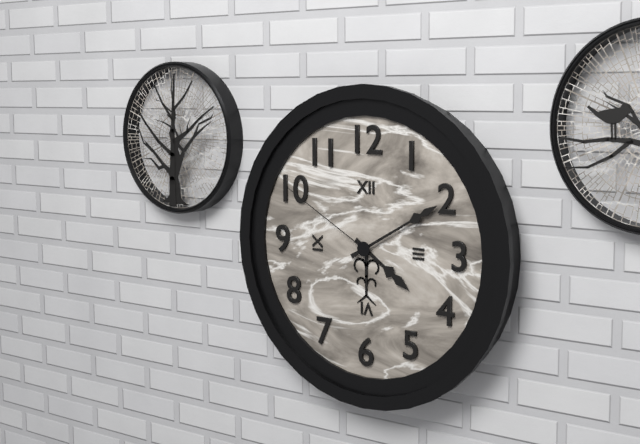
4:10:50
